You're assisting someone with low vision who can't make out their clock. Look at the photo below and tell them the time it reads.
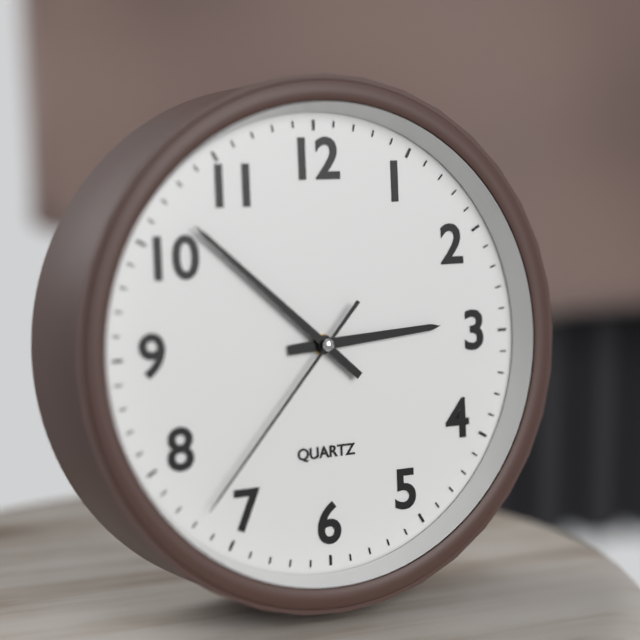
2:52:37
